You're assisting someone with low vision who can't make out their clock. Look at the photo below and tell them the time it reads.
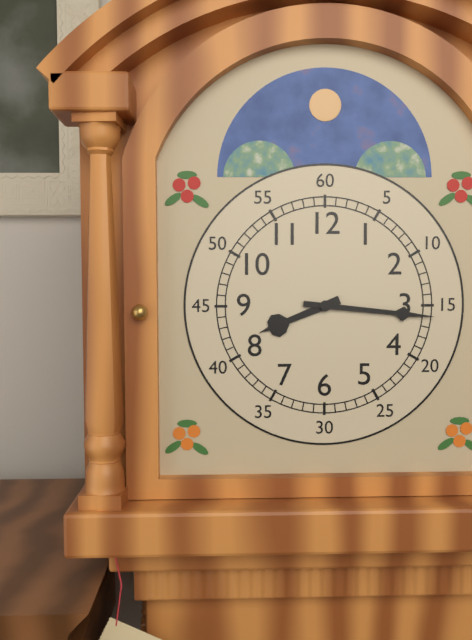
8:16
